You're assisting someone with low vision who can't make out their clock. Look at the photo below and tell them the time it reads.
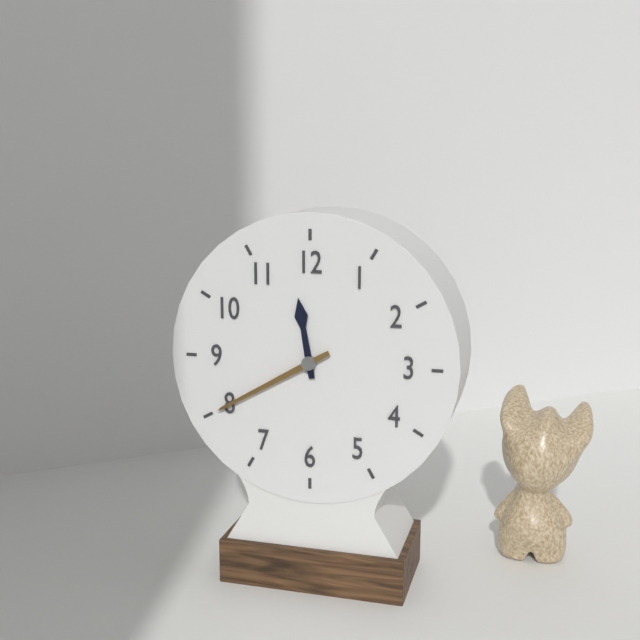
11:40
